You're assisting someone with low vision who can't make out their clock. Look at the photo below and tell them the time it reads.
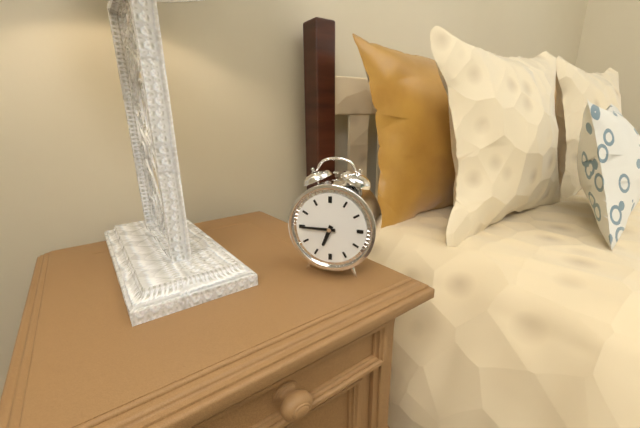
6:45
